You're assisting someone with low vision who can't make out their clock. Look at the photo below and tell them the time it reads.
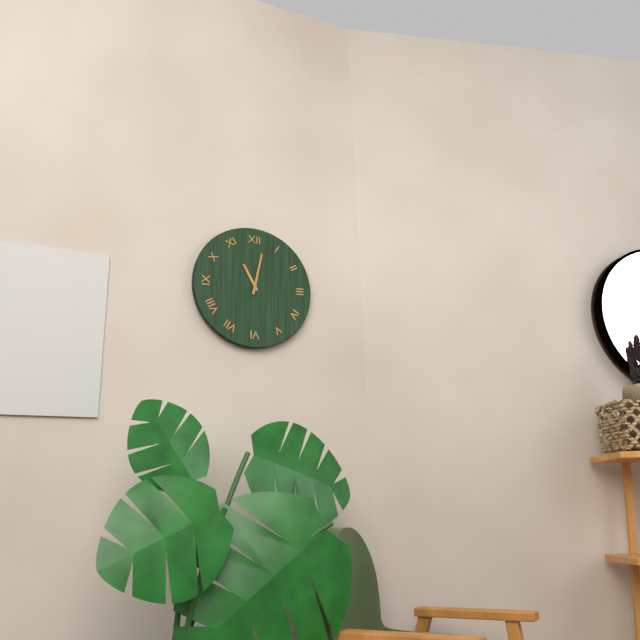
11:02
